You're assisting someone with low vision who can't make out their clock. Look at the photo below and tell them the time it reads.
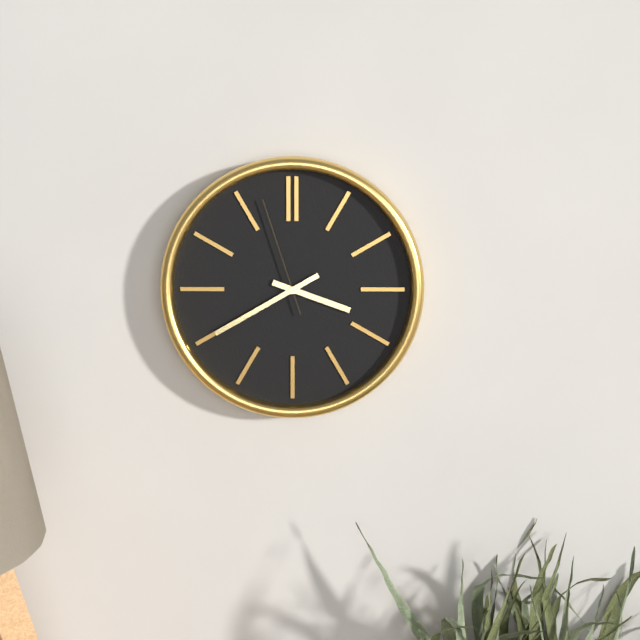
3:40:57
